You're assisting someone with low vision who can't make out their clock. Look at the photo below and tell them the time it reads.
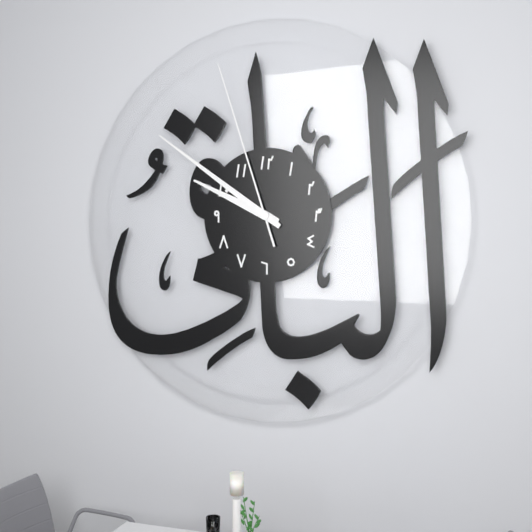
9:51:57
